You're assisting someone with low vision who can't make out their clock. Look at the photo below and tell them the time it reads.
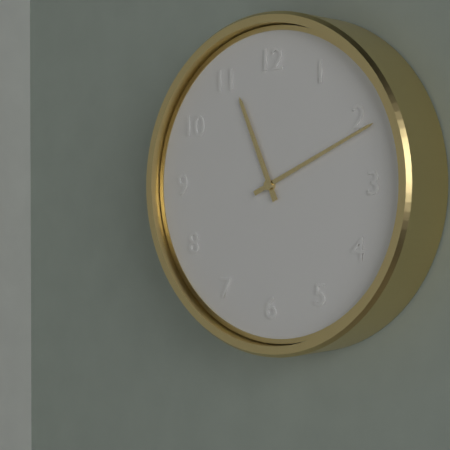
11:11
